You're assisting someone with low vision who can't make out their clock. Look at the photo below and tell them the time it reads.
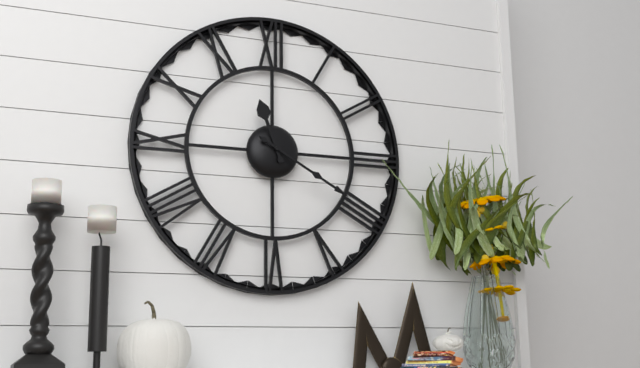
11:20
